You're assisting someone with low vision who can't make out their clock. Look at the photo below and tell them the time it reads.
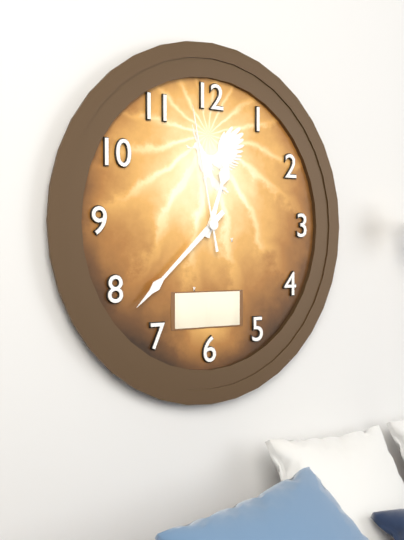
12:38:58
